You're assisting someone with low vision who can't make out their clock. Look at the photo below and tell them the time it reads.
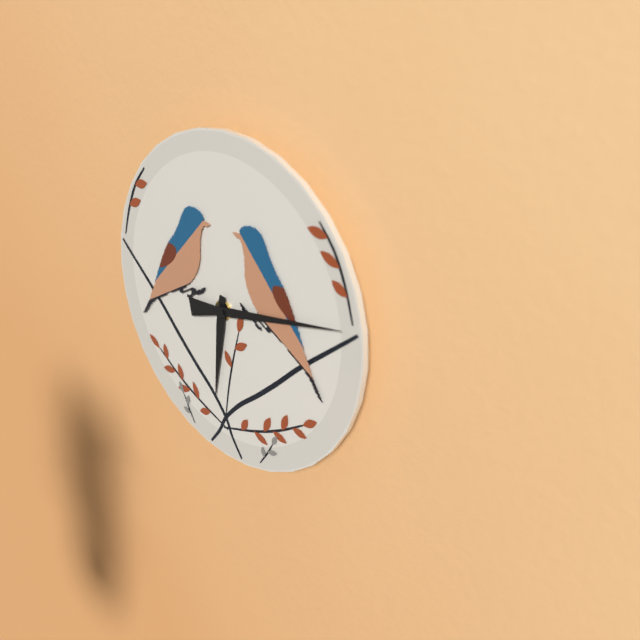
6:13
